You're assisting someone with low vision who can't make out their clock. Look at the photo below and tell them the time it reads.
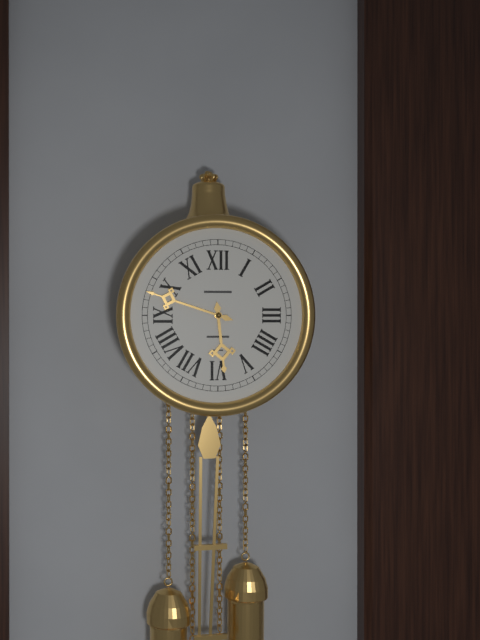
5:48
